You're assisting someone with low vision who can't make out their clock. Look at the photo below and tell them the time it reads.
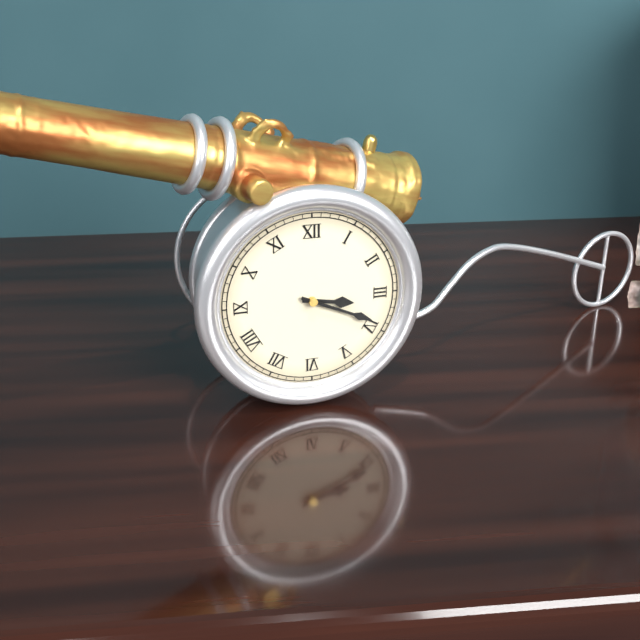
3:19
